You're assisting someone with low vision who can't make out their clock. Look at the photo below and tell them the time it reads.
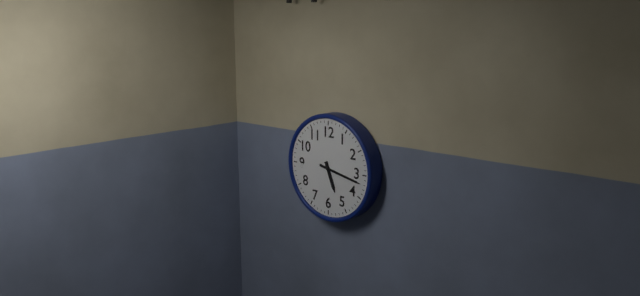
5:17
